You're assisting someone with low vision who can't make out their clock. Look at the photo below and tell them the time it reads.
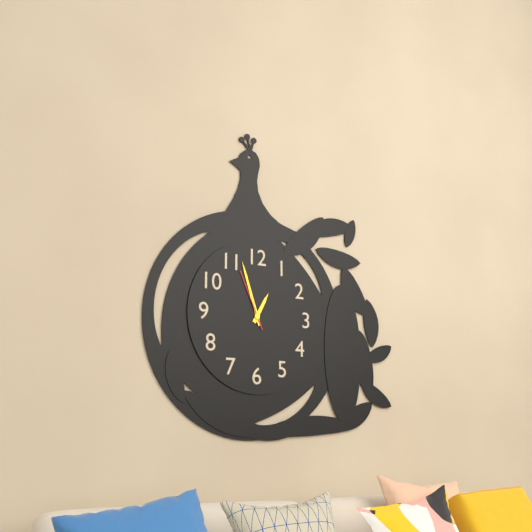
12:57:56
